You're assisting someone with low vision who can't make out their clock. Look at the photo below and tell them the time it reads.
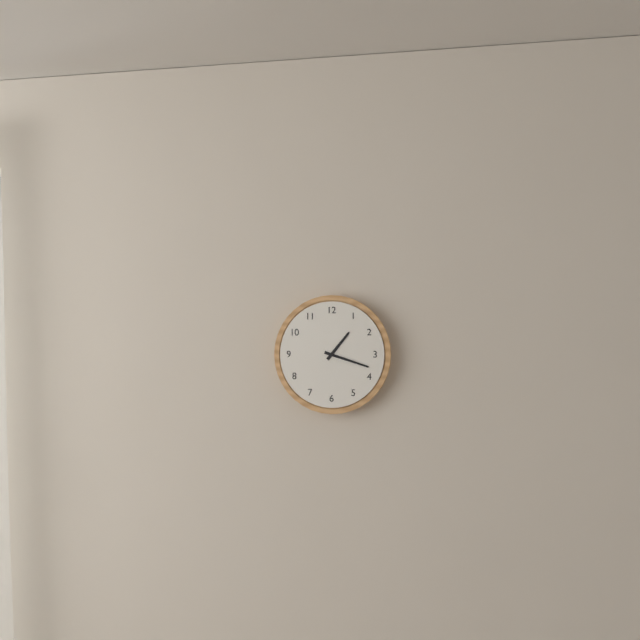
1:18
